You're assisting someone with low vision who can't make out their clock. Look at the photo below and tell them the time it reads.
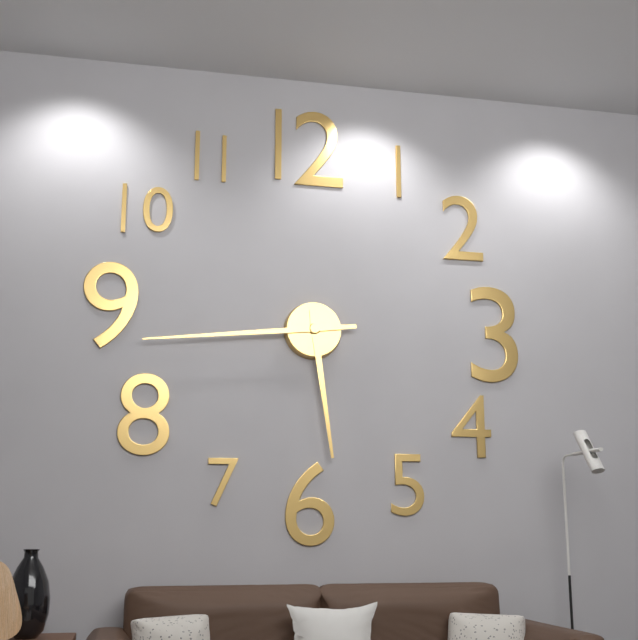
5:44
